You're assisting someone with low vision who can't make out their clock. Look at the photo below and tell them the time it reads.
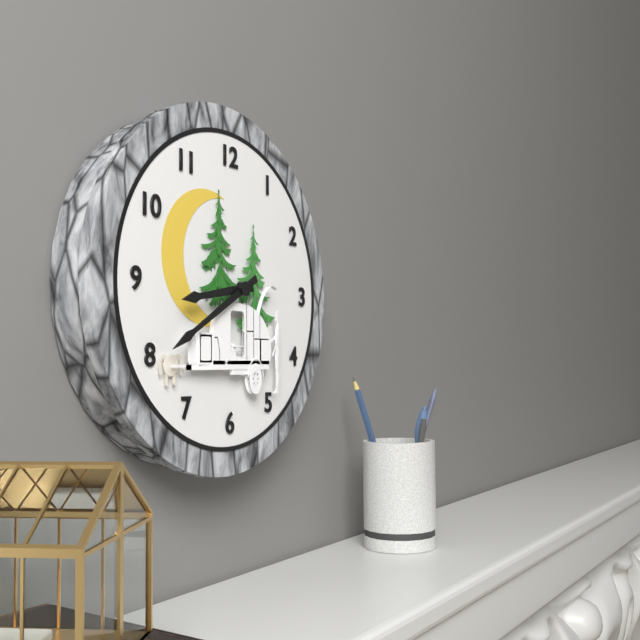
8:40
